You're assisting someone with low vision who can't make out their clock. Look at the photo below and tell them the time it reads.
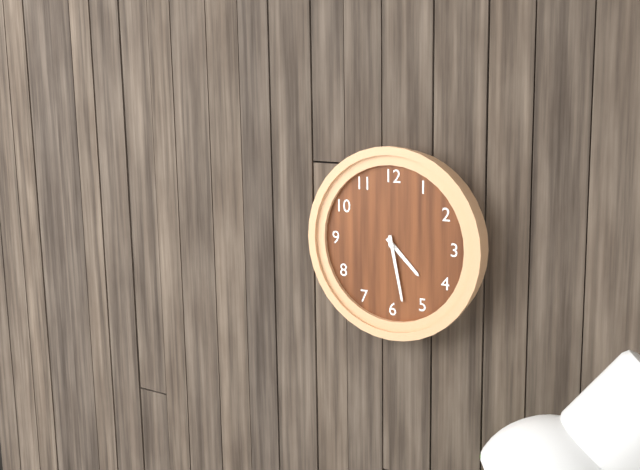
4:28
